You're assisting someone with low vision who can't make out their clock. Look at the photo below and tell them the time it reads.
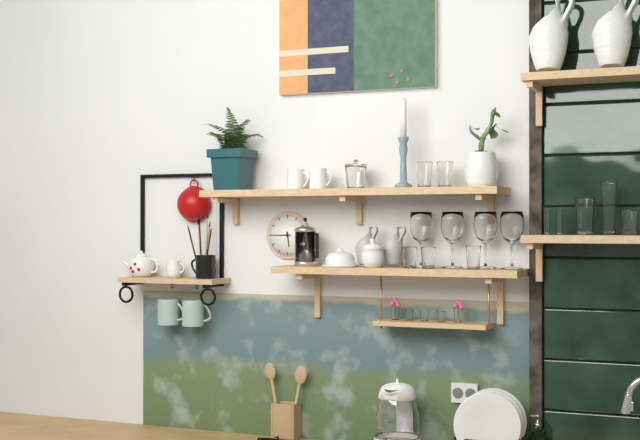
5:45
